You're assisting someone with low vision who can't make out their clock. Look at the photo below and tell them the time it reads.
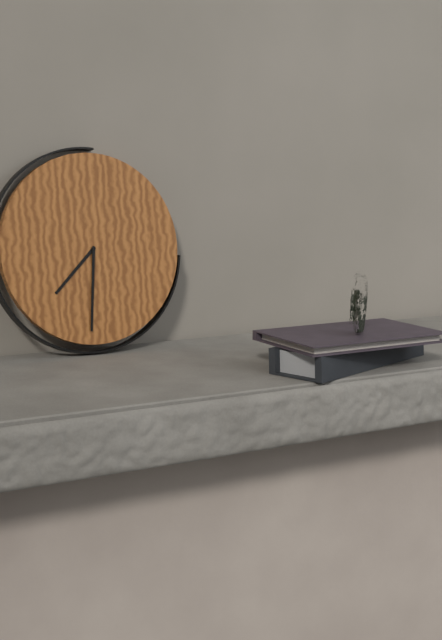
7:31
